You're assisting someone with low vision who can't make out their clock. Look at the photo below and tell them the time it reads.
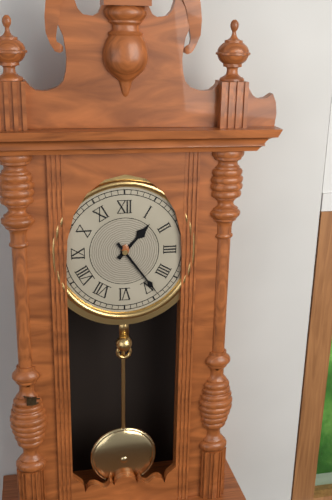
1:24
